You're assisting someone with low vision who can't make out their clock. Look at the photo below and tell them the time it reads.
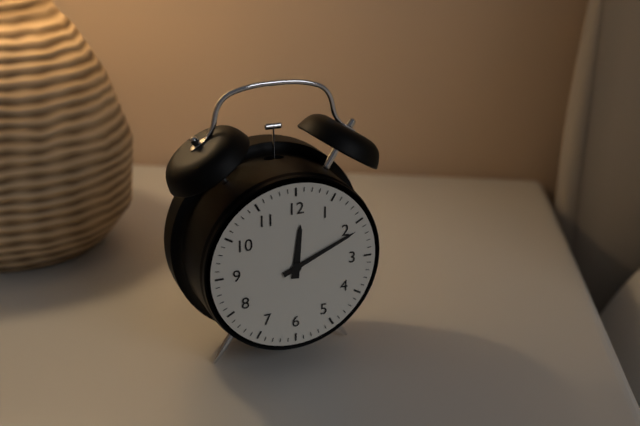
12:11
